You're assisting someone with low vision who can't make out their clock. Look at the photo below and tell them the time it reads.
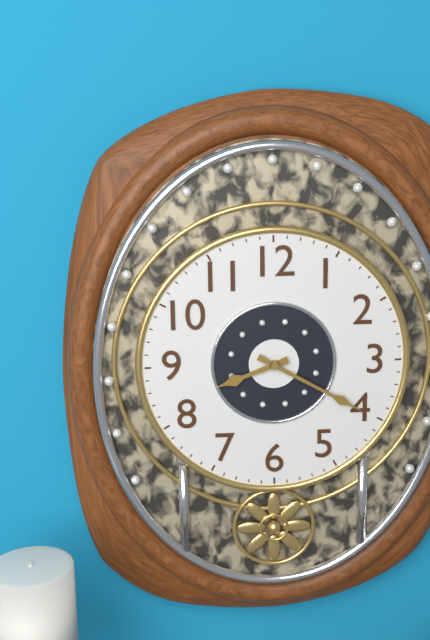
8:20
